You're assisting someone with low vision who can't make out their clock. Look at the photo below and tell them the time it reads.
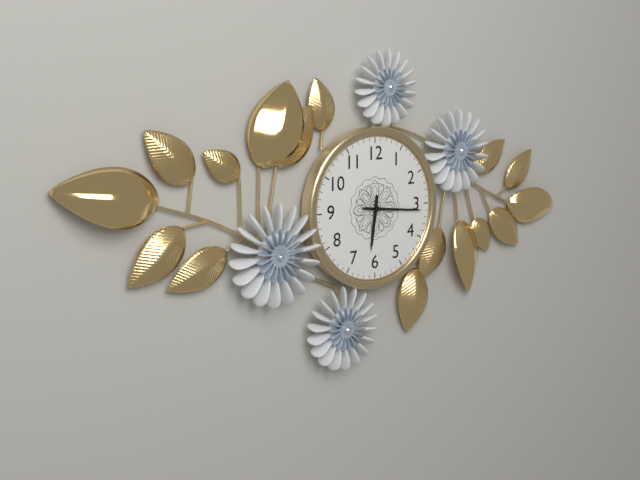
6:16
